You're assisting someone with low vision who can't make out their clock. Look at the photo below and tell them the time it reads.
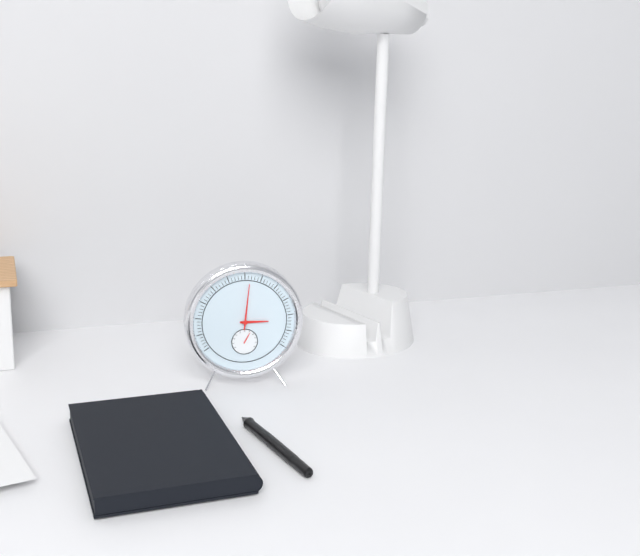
3:01
